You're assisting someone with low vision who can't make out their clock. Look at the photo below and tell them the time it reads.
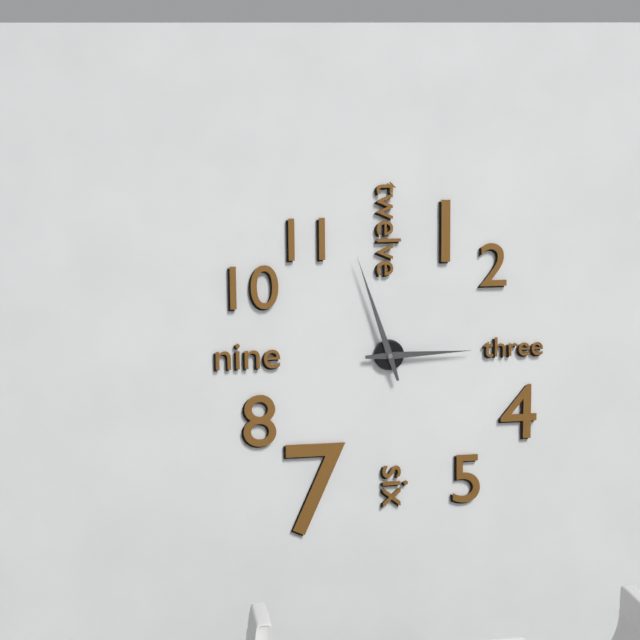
2:57
